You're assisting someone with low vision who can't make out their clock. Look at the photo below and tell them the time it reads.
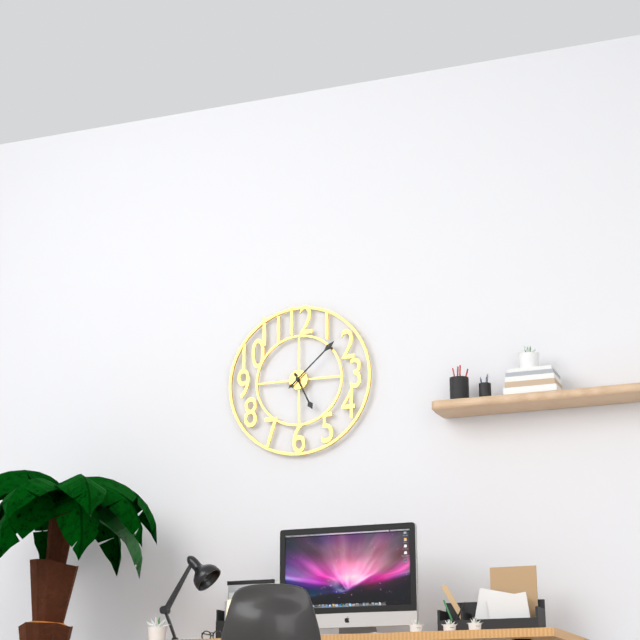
5:08
